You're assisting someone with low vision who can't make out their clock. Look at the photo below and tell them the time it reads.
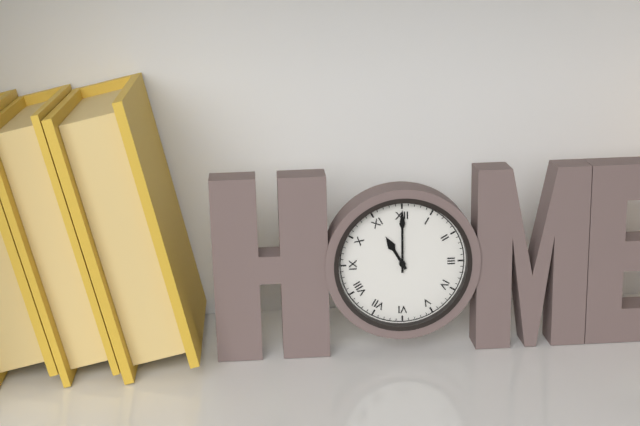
11:00
